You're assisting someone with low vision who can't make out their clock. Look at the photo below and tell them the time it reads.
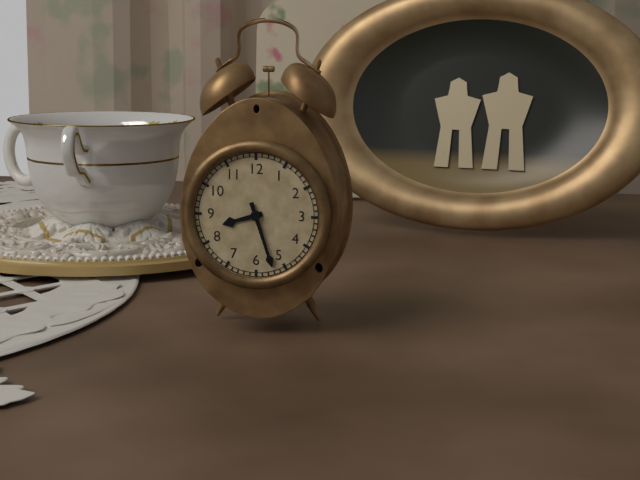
8:27
